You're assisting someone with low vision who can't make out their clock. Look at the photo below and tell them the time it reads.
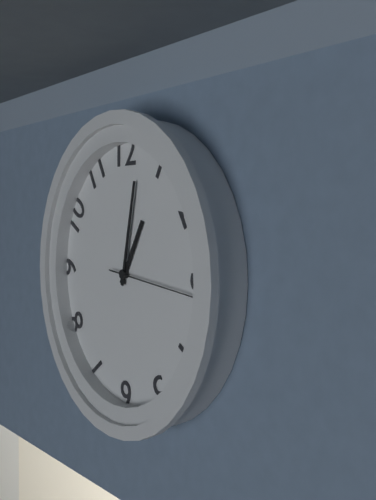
1:02:16
